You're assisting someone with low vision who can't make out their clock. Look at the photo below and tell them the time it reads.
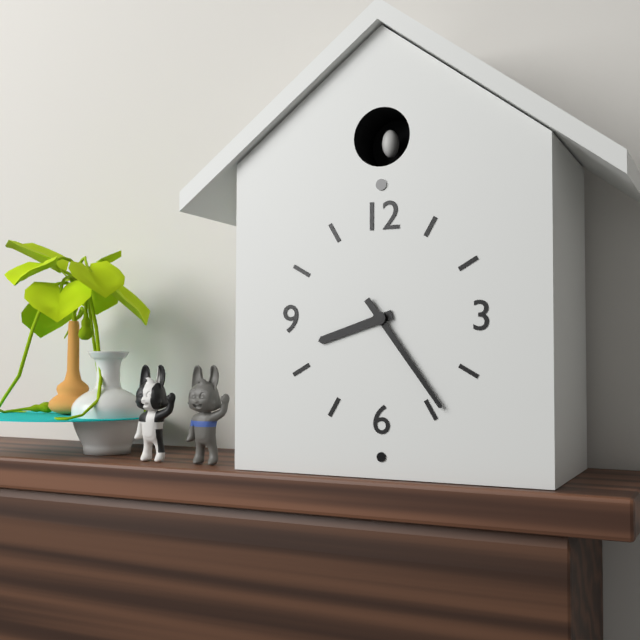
8:24
